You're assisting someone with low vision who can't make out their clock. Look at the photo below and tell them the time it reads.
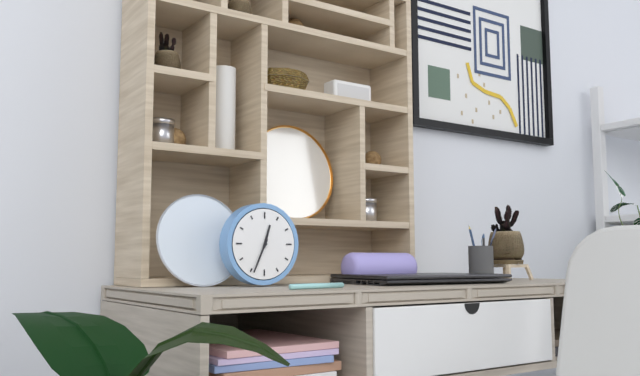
12:34
